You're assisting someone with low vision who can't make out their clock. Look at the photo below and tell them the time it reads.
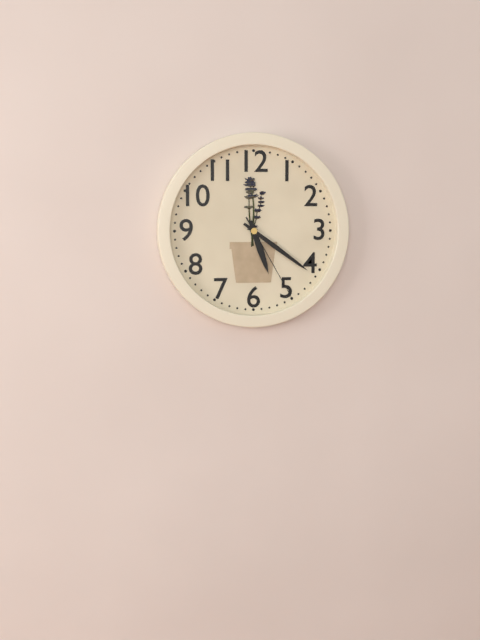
5:21:25
